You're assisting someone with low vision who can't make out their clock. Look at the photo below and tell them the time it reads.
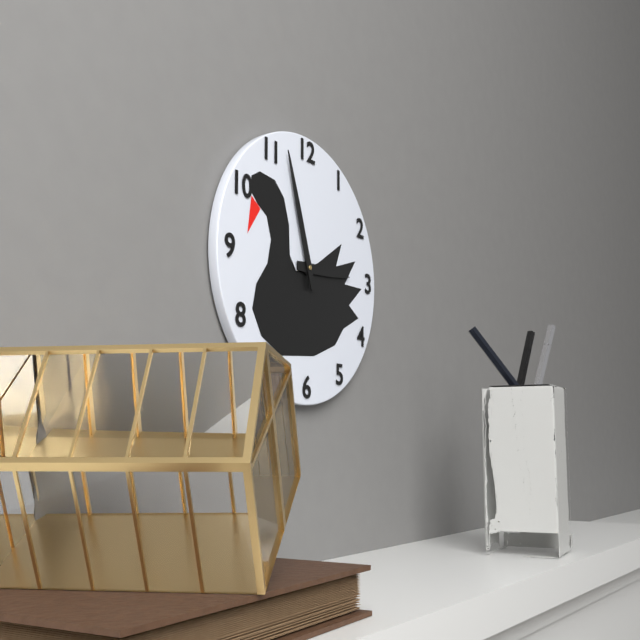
2:57
